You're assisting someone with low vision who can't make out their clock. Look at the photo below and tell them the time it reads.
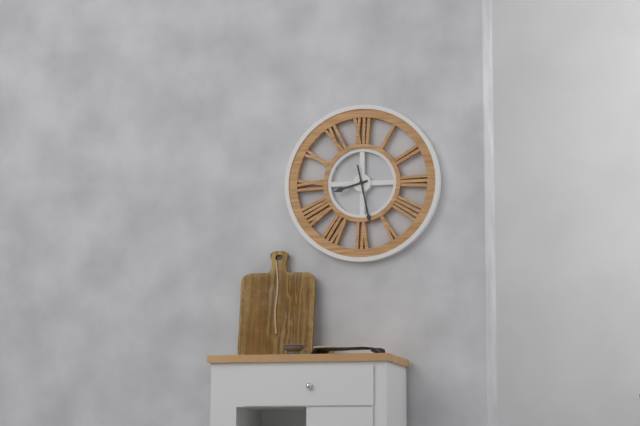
8:28
